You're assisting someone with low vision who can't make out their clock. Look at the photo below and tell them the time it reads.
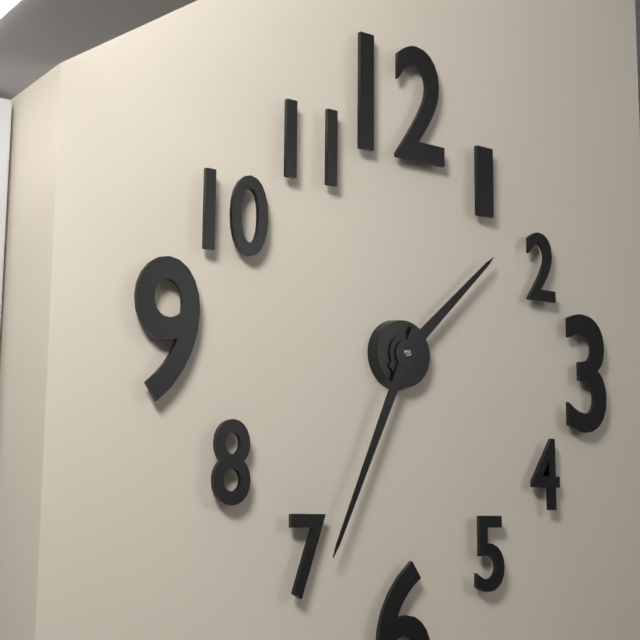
1:34
